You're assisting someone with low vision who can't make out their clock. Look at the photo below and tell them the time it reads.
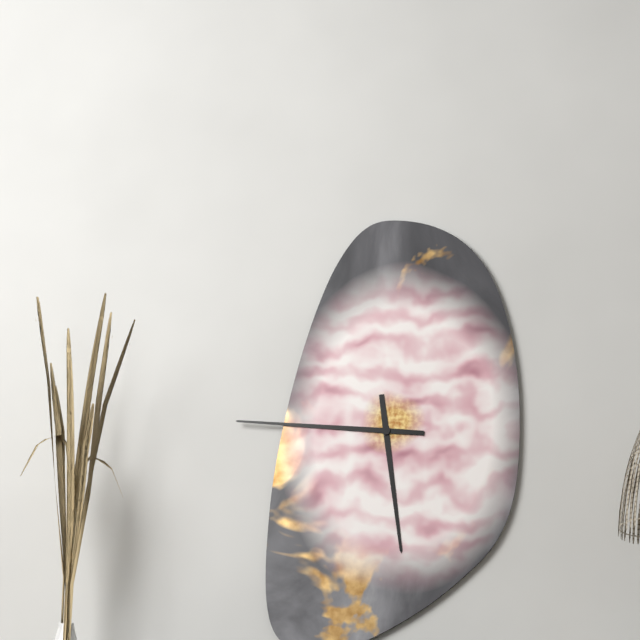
5:46
